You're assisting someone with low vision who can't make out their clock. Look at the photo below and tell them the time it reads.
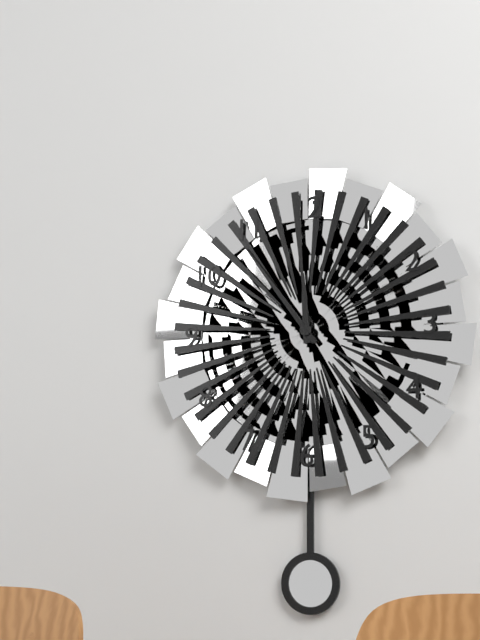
11:54
